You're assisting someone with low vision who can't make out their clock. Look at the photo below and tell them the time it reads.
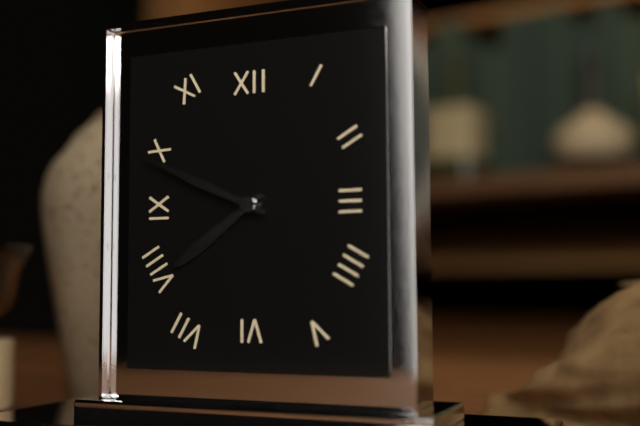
7:49
